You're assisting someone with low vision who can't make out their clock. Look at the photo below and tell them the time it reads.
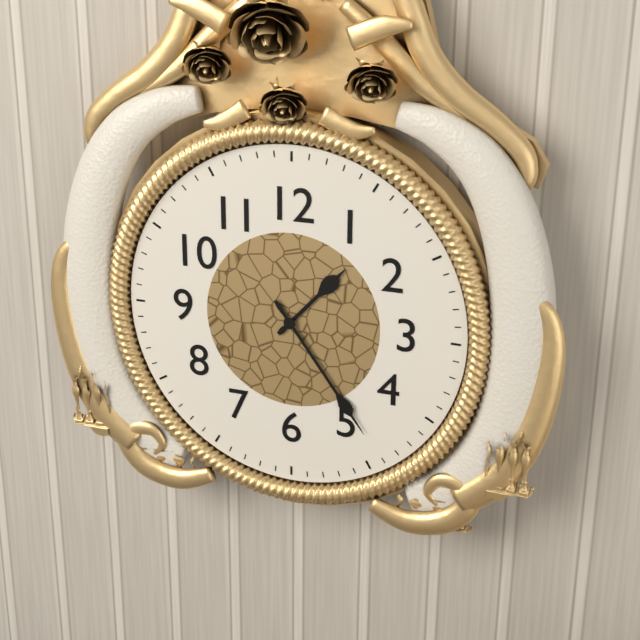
1:24
